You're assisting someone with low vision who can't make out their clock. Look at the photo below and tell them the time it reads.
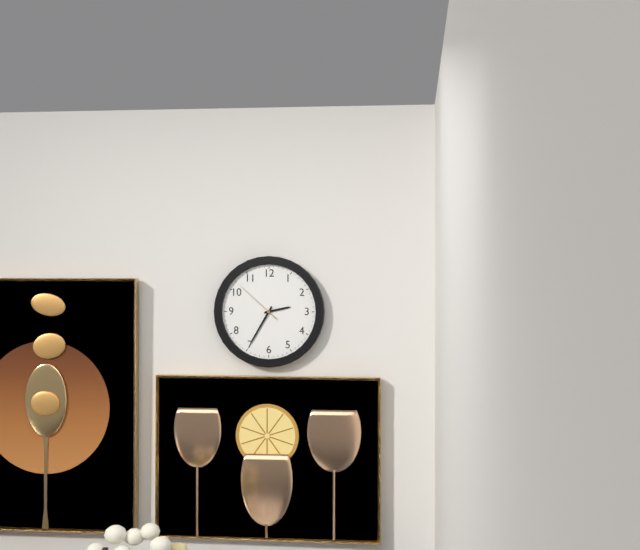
2:35
